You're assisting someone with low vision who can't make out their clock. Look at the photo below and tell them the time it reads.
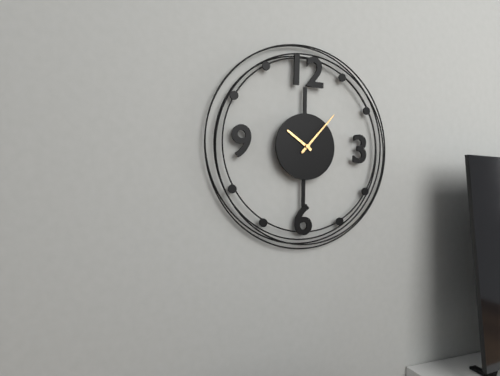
10:07
